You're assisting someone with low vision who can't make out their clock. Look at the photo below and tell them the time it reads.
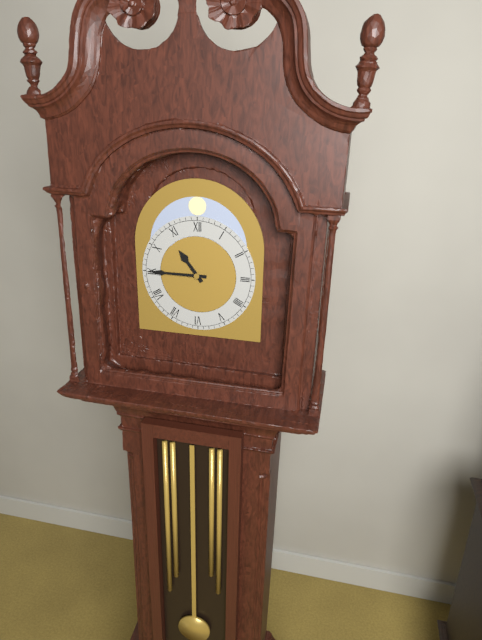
10:45
